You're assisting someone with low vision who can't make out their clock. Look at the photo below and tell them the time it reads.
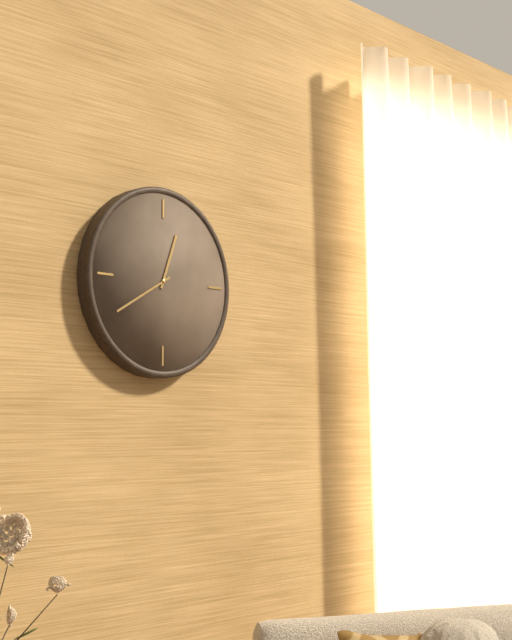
12:40
